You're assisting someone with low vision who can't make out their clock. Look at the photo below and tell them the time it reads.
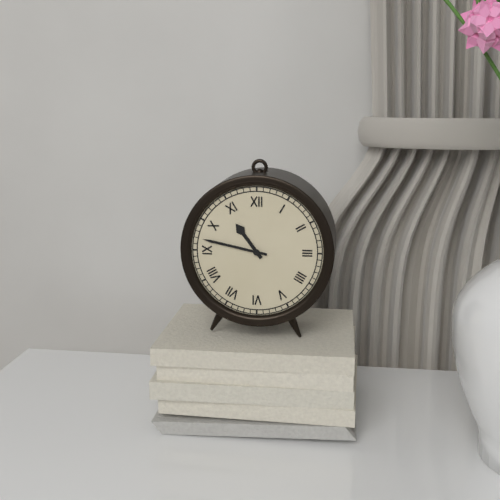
10:47
